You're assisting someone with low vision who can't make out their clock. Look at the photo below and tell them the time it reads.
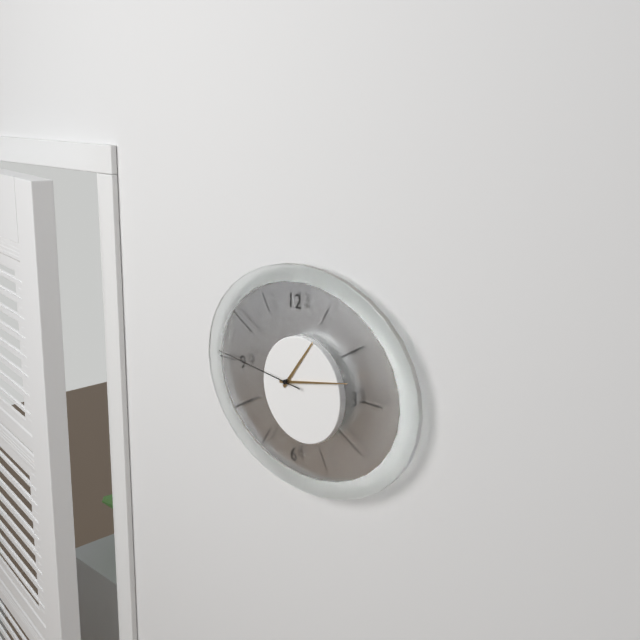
1:13:46
